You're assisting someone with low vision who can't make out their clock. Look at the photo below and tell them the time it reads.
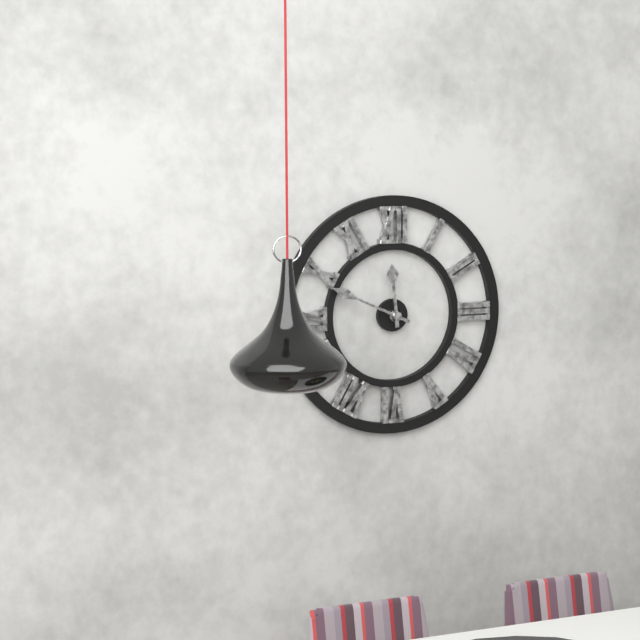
11:49
